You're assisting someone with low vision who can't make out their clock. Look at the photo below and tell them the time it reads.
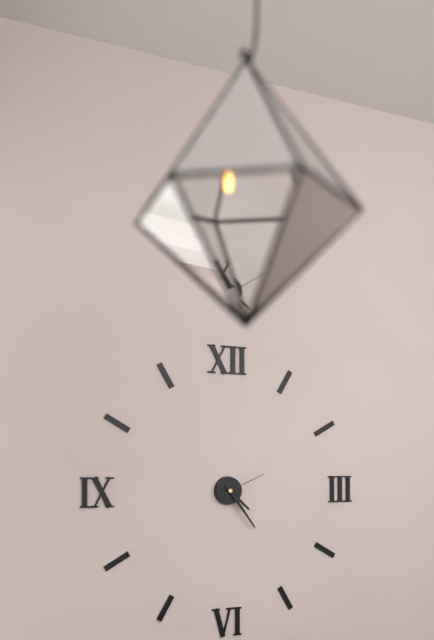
4:24:11
